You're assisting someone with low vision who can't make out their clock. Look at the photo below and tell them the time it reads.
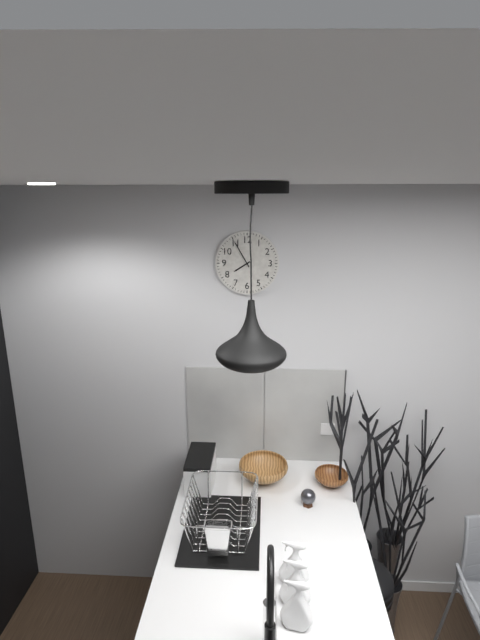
7:55
